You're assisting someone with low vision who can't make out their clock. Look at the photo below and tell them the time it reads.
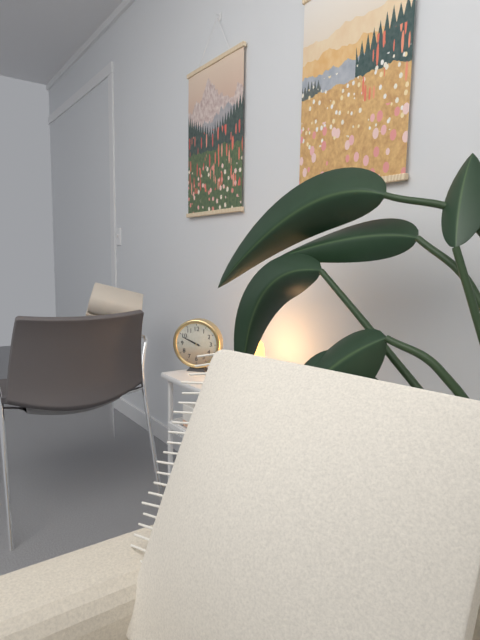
9:49
